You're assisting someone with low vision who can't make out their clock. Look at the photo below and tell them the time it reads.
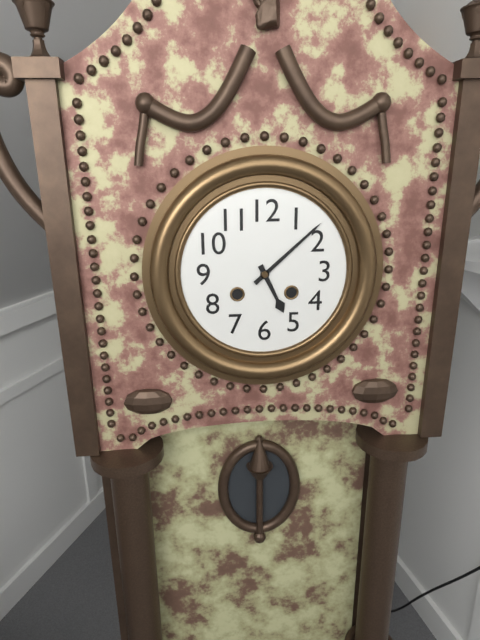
5:08
